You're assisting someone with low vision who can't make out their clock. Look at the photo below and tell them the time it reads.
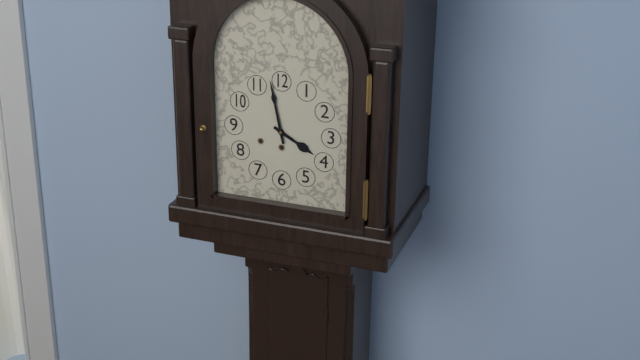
3:58
